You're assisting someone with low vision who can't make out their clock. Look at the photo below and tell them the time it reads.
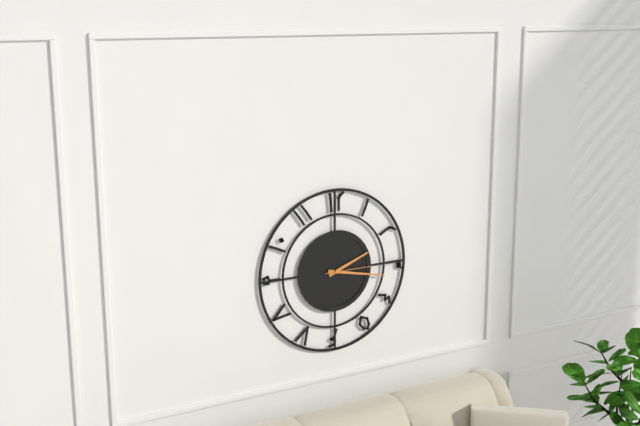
2:17:15
